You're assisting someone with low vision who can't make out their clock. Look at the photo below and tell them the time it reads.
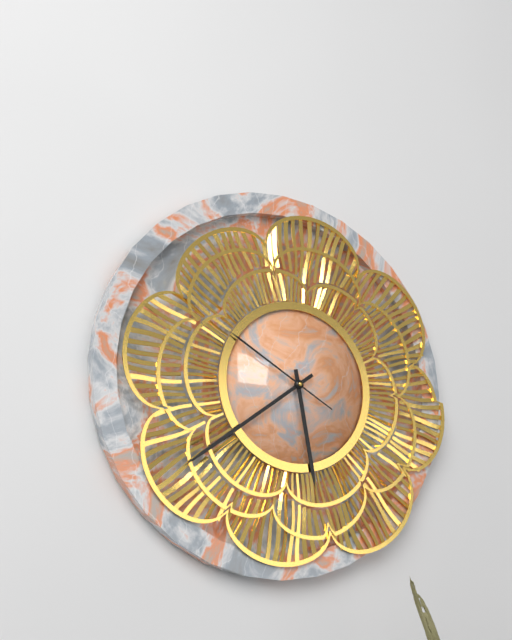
5:39:50
